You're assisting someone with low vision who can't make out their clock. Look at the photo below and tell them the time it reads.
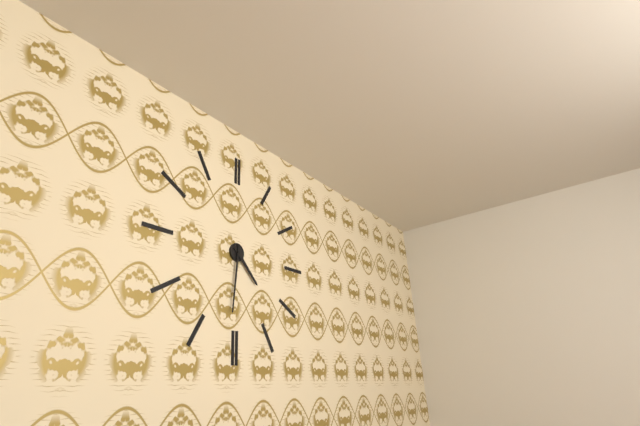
4:31
